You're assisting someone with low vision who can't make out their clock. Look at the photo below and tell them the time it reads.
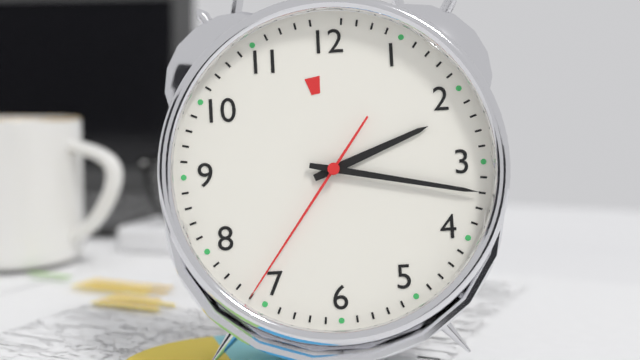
2:17:36
